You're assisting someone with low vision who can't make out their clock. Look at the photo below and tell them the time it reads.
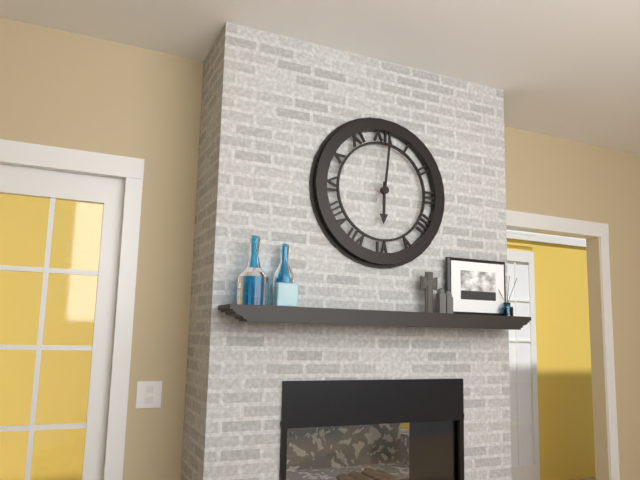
6:01
